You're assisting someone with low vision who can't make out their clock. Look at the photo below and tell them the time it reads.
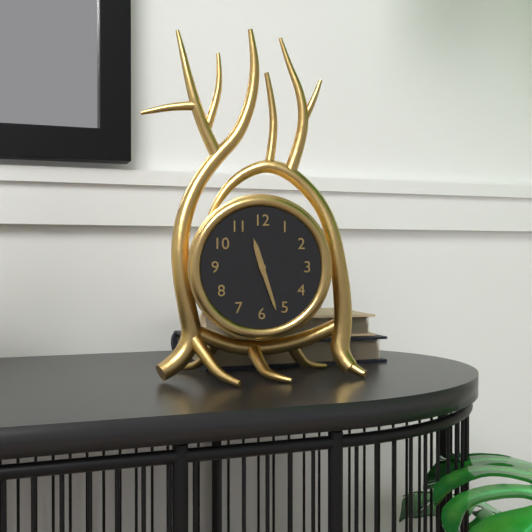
11:27
